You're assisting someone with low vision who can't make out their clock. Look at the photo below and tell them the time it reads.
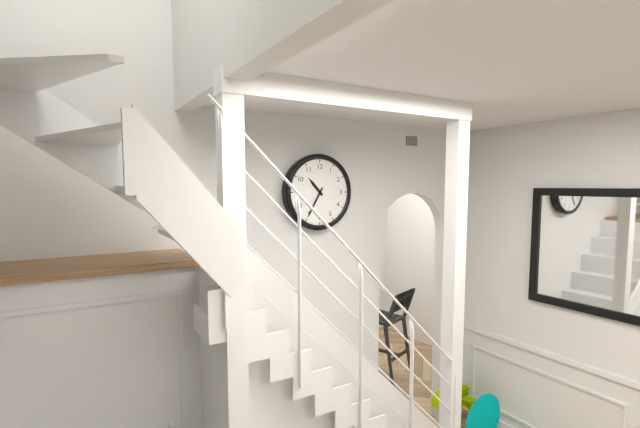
10:35
